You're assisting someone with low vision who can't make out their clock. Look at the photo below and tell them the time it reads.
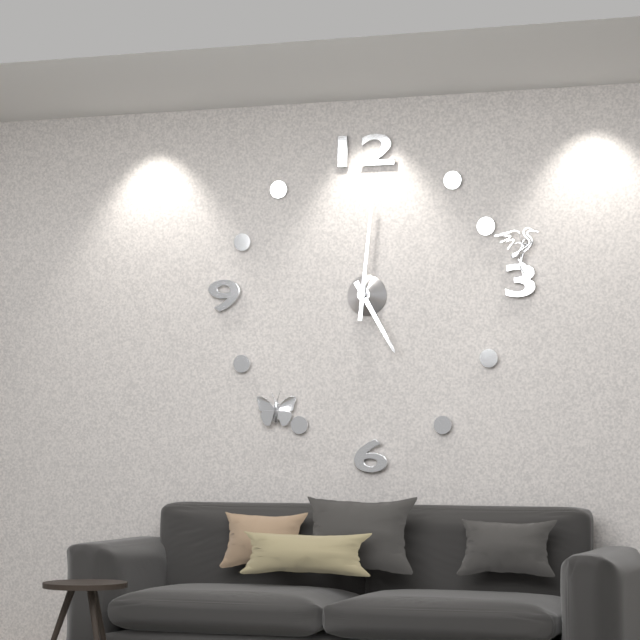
5:01
